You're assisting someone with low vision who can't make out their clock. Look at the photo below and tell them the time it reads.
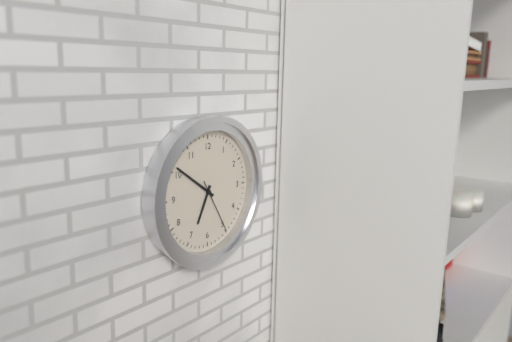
6:51:25
